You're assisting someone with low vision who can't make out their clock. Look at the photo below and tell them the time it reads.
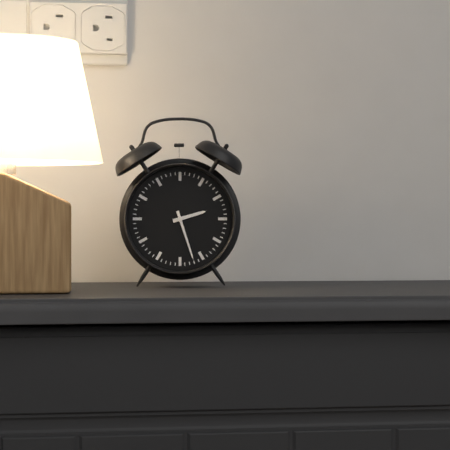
2:27
